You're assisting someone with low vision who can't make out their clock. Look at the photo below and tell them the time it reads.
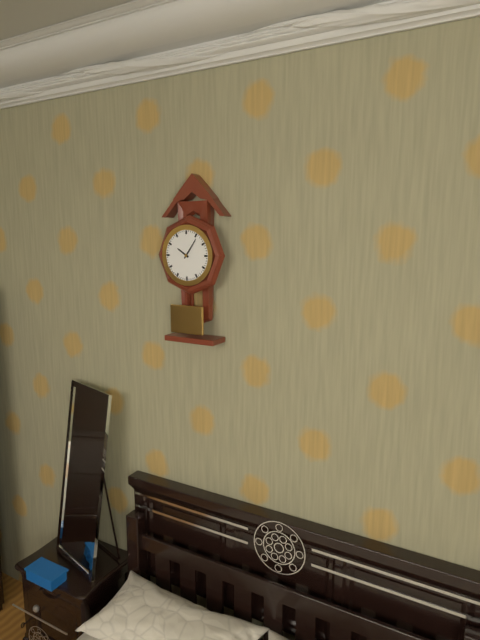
10:06
